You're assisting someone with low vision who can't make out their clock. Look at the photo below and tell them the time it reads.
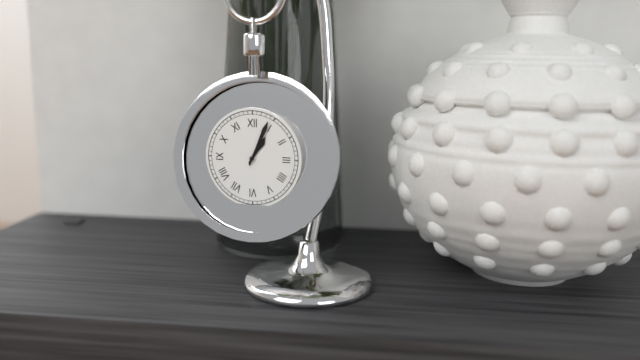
1:04
